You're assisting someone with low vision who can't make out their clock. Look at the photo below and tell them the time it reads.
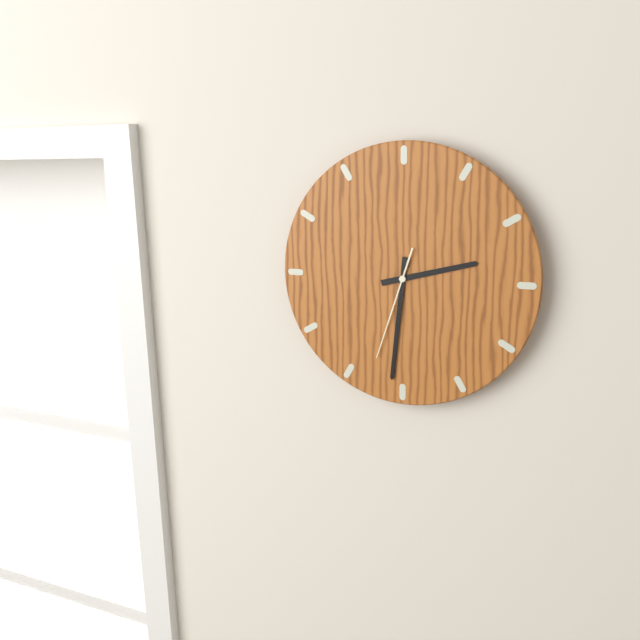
2:31:33
